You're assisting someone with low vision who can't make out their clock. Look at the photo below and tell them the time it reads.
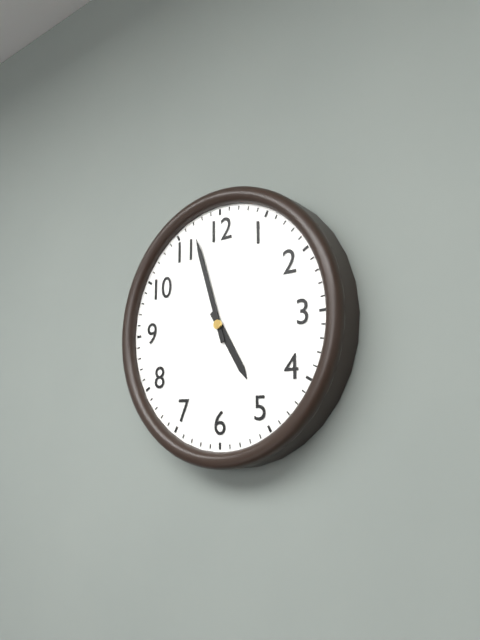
4:57
